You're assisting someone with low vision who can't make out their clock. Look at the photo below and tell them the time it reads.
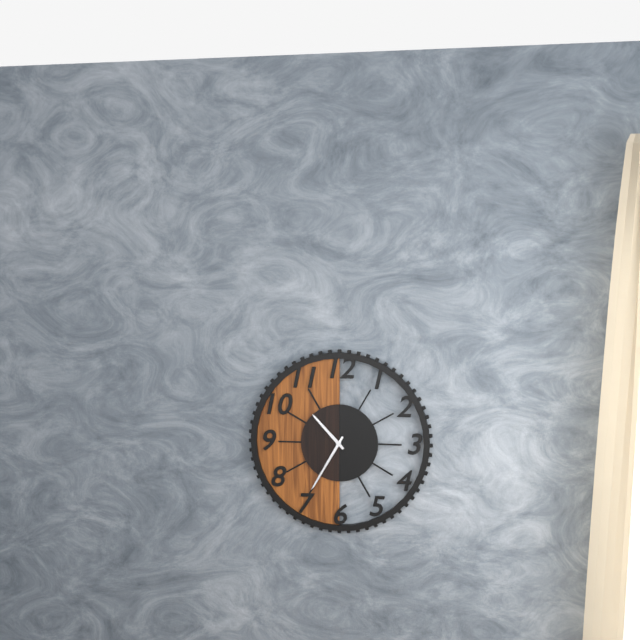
10:35
